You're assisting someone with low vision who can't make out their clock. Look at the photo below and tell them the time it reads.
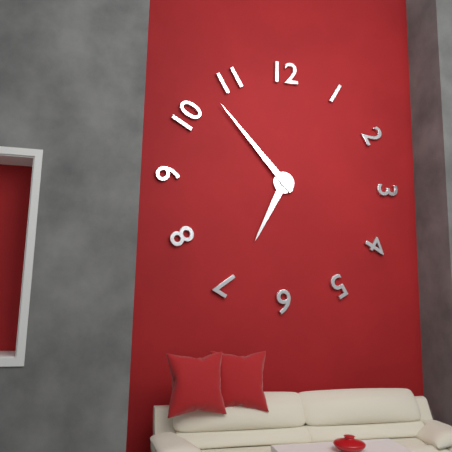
6:53
